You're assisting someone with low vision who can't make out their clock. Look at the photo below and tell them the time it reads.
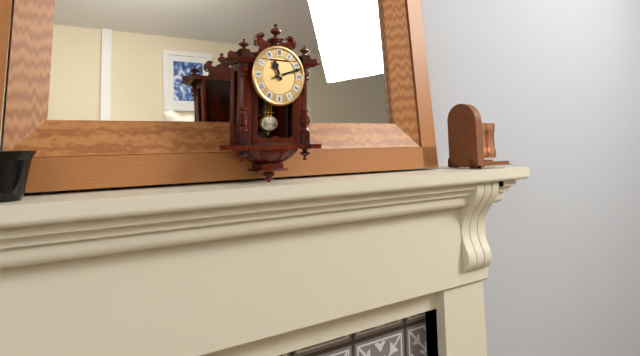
11:12
